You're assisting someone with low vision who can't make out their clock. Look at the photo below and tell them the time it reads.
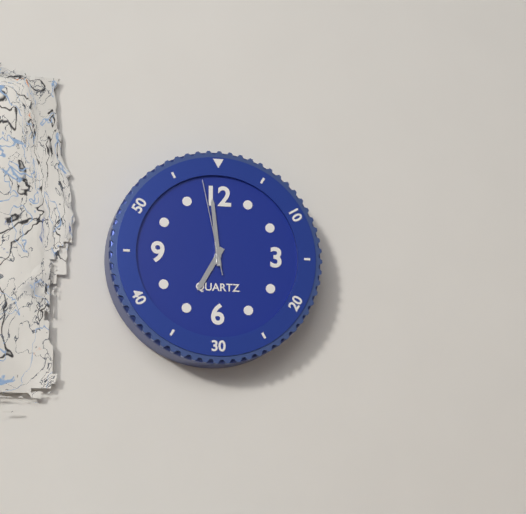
6:59:58
